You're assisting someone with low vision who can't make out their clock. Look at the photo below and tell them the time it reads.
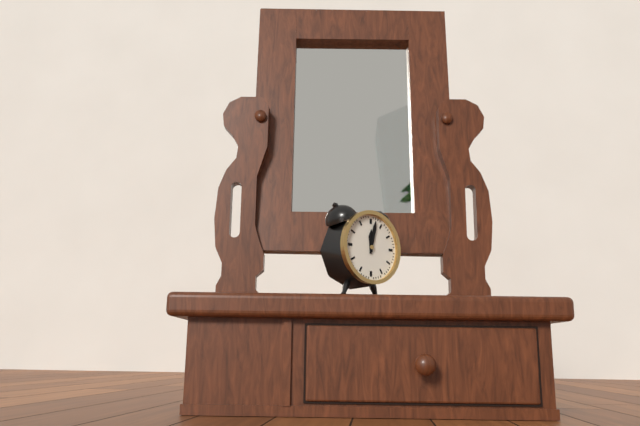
12:02
